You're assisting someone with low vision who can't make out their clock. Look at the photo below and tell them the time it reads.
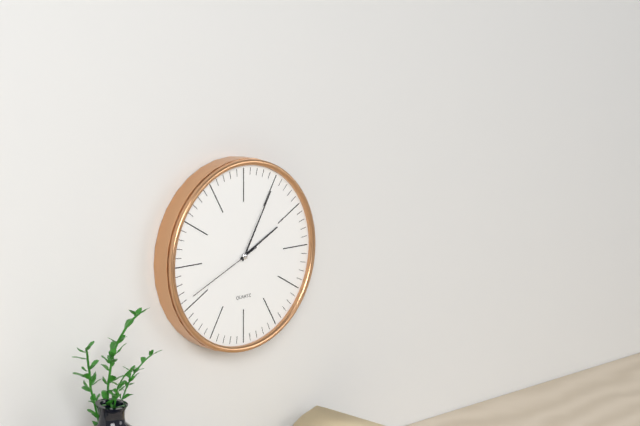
2:05:41
